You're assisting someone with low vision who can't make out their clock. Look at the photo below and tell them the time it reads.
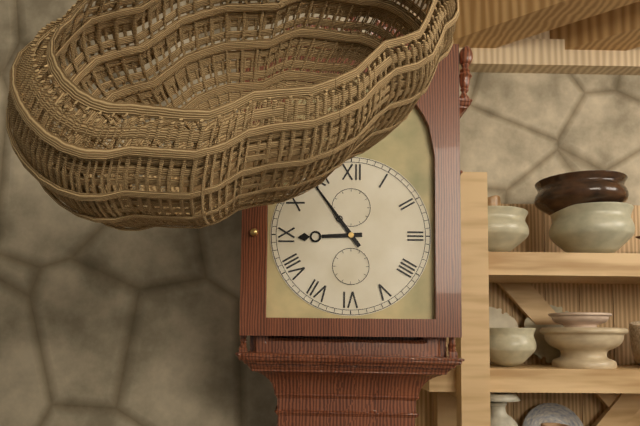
8:54
